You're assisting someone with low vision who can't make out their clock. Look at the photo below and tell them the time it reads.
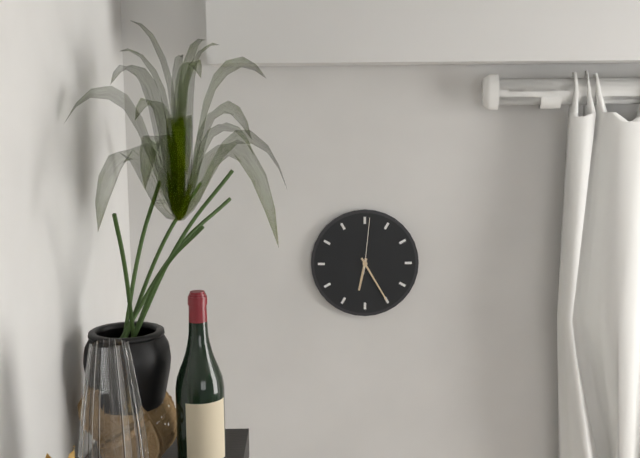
6:25:01
